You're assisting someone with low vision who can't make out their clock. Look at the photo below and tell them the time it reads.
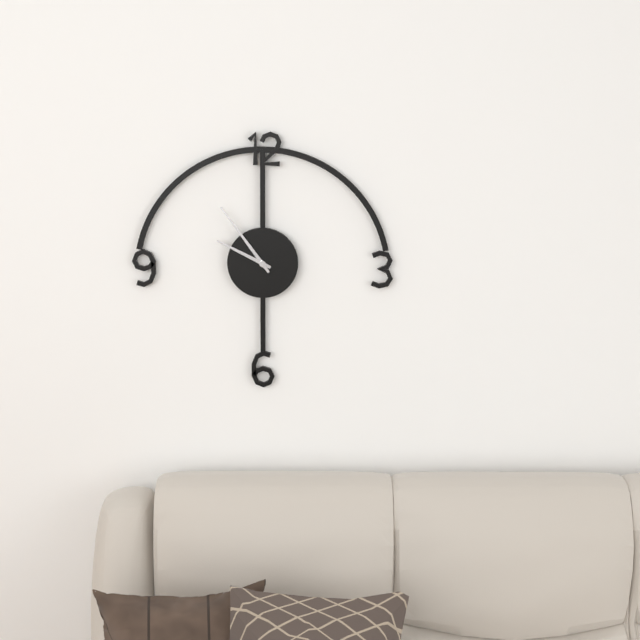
9:54
